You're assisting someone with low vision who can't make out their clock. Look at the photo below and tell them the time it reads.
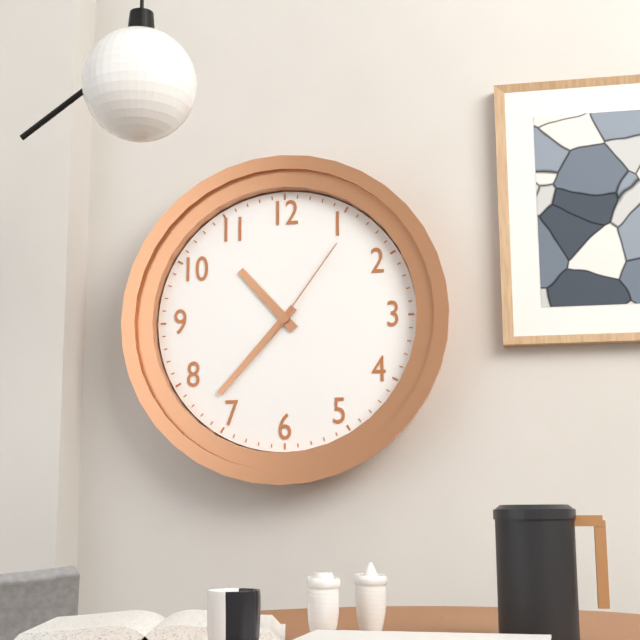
10:37:06
